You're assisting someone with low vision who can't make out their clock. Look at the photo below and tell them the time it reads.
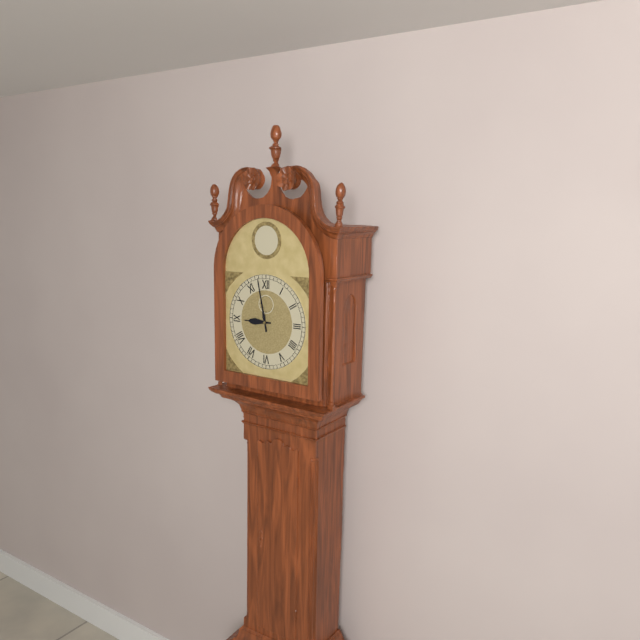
8:58
